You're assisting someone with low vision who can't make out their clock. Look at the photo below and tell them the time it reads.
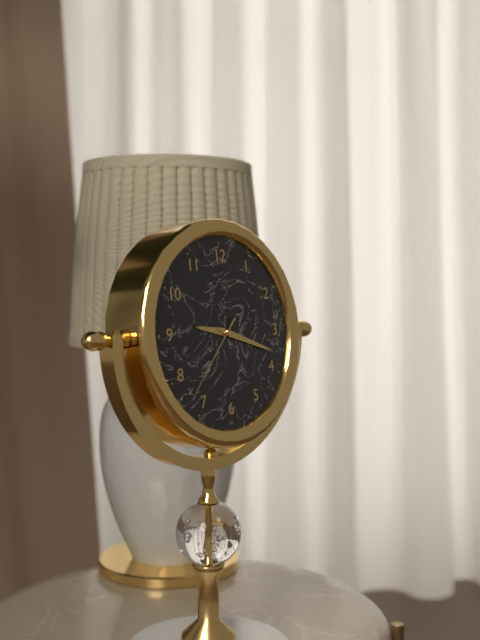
9:18:37
